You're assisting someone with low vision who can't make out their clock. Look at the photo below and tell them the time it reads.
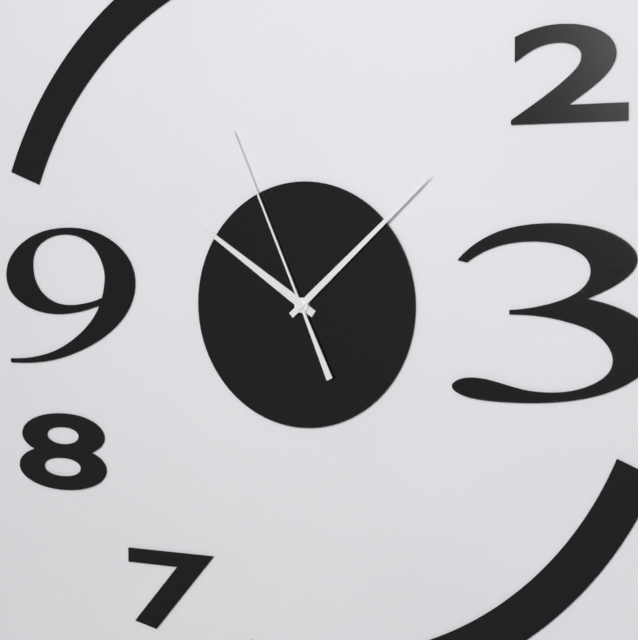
10:08:56
